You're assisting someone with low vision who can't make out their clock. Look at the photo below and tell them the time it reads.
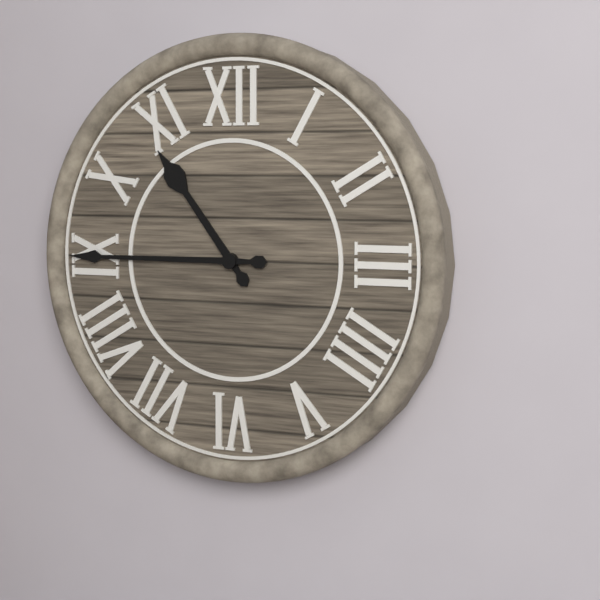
10:45
